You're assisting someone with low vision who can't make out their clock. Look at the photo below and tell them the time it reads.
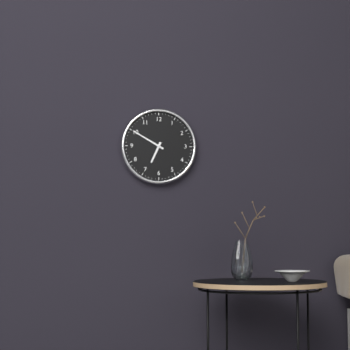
6:50
